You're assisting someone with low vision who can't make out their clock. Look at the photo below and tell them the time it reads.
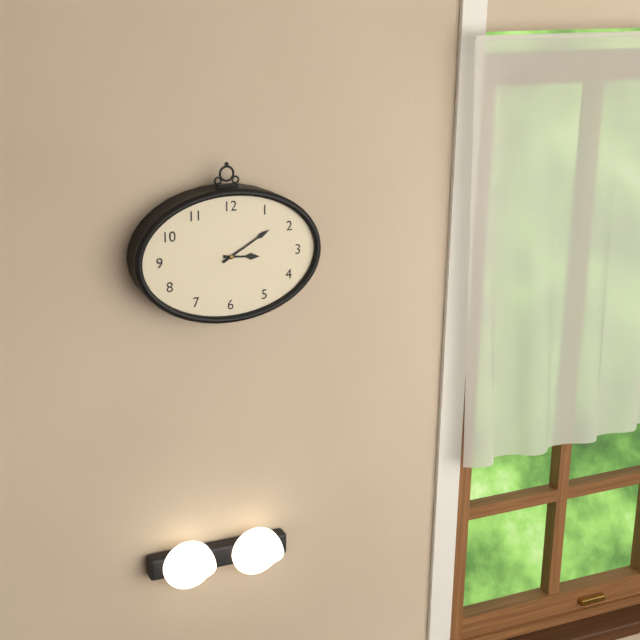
3:10
